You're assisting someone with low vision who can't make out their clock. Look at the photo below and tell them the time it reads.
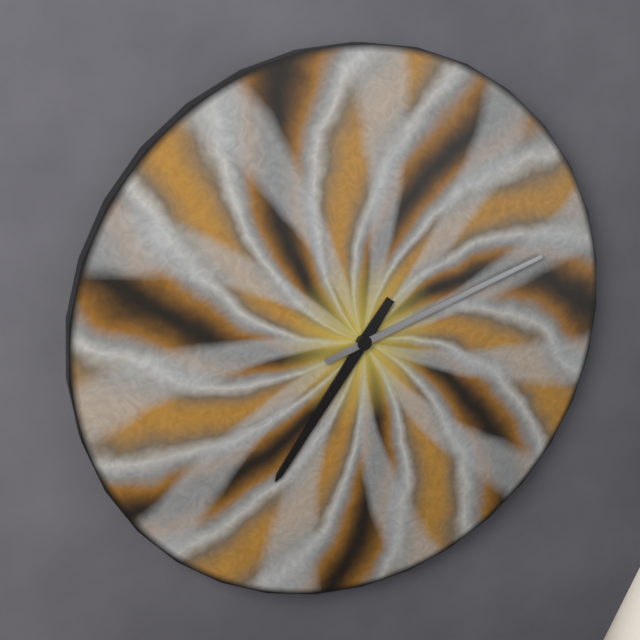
7:12
